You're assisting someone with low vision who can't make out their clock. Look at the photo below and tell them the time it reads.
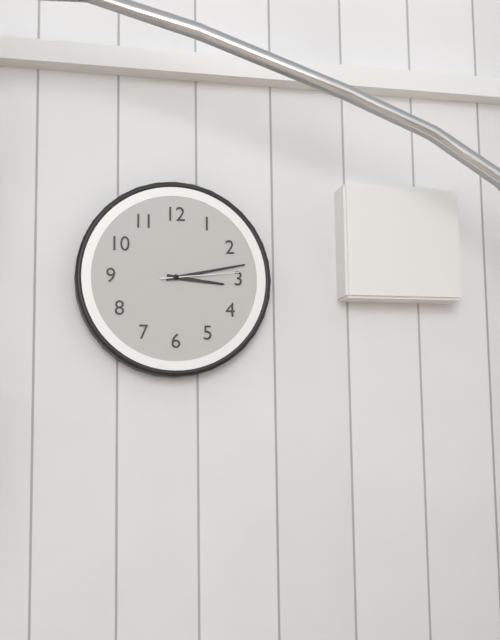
3:13:14
